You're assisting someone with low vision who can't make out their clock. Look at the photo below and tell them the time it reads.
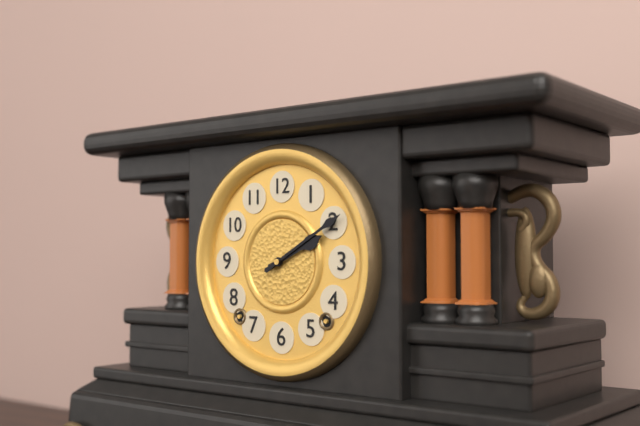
2:10
